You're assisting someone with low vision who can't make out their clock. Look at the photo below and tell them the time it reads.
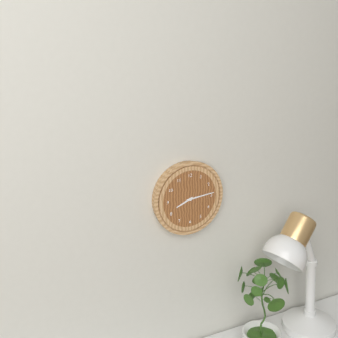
8:14
